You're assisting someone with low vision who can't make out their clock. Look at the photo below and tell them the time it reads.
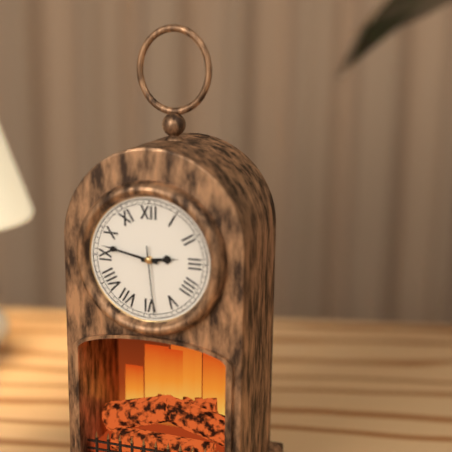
2:47:29
